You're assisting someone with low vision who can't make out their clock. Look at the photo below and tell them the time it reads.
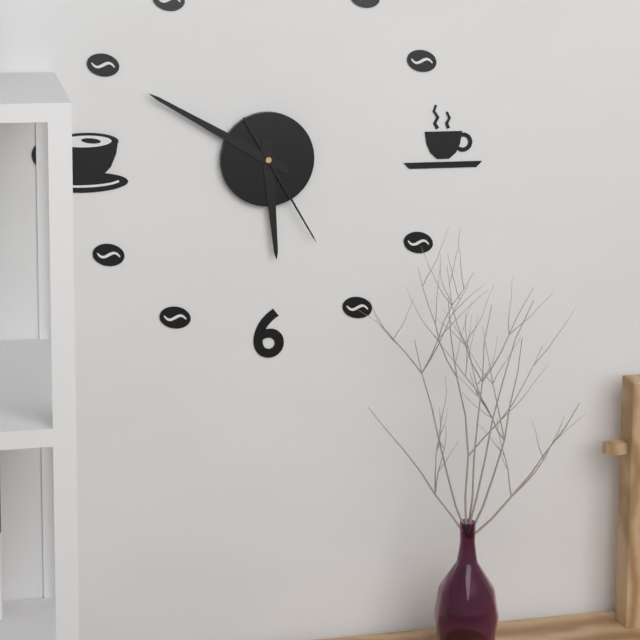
5:50:25
